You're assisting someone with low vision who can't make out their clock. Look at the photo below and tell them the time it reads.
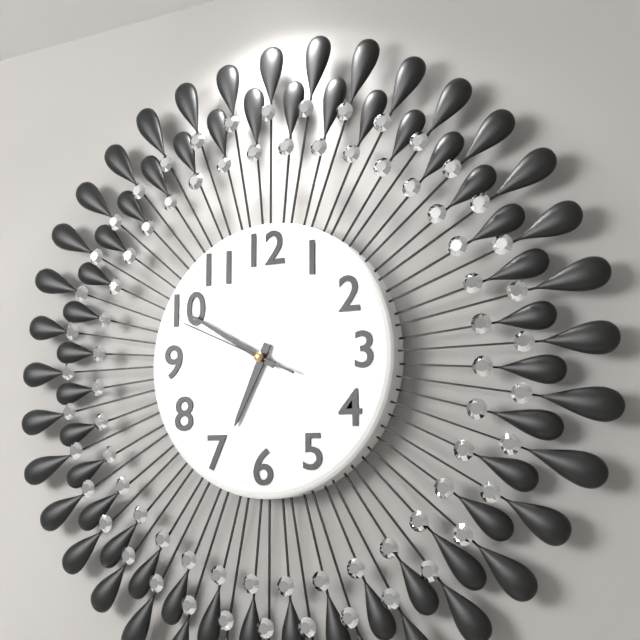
6:50:49
